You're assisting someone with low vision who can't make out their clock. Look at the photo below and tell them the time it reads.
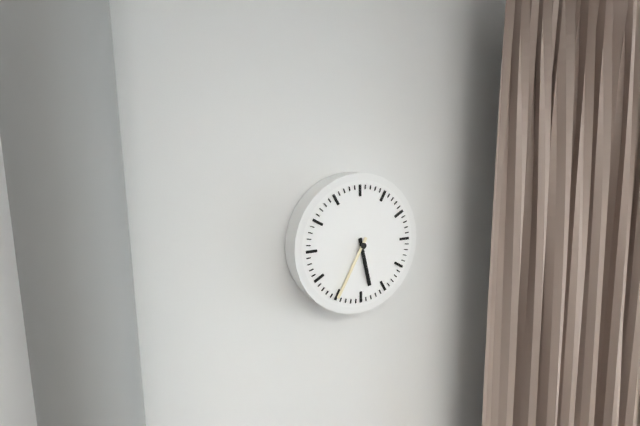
5:35
